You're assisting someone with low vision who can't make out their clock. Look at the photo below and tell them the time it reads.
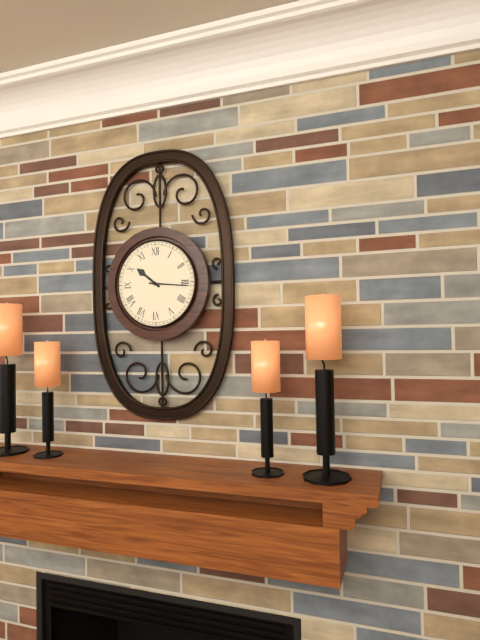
10:16
